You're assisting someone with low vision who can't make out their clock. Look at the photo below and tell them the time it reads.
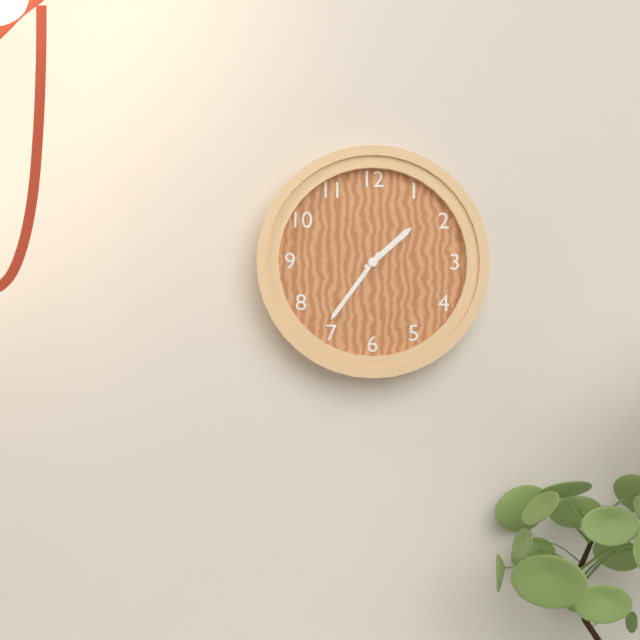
1:36
